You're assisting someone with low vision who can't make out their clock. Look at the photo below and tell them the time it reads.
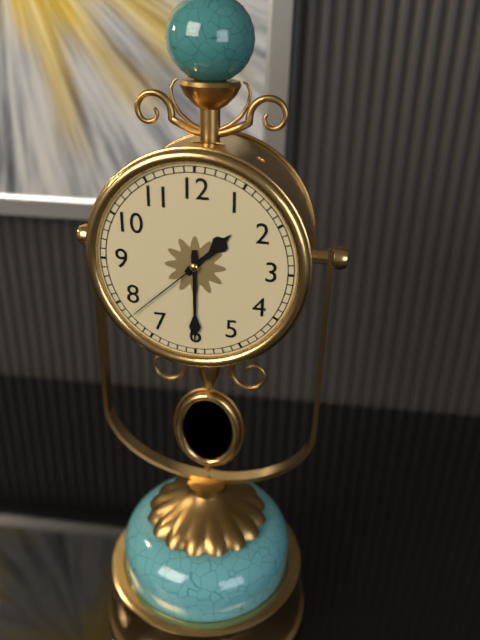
1:30:38
